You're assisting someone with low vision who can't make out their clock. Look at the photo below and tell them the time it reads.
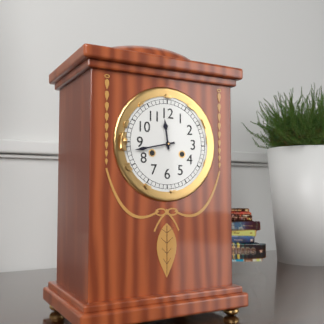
11:43
